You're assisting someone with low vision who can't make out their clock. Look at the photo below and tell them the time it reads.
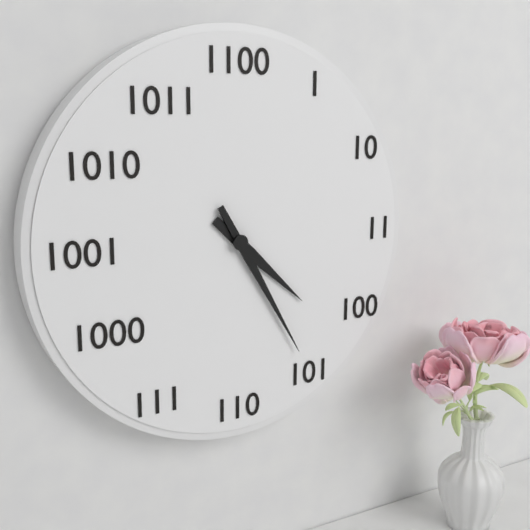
4:25
